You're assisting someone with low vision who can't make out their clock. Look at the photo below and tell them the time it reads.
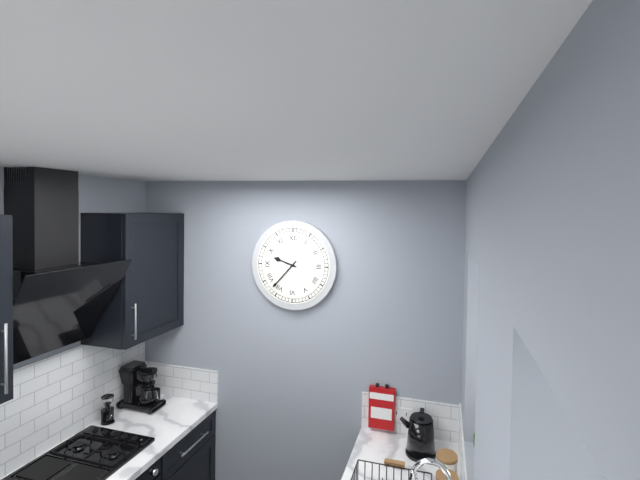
9:37
